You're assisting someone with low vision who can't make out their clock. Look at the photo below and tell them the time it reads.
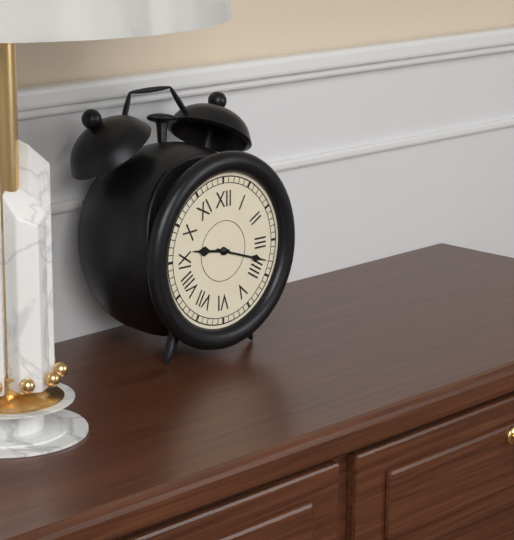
9:18
